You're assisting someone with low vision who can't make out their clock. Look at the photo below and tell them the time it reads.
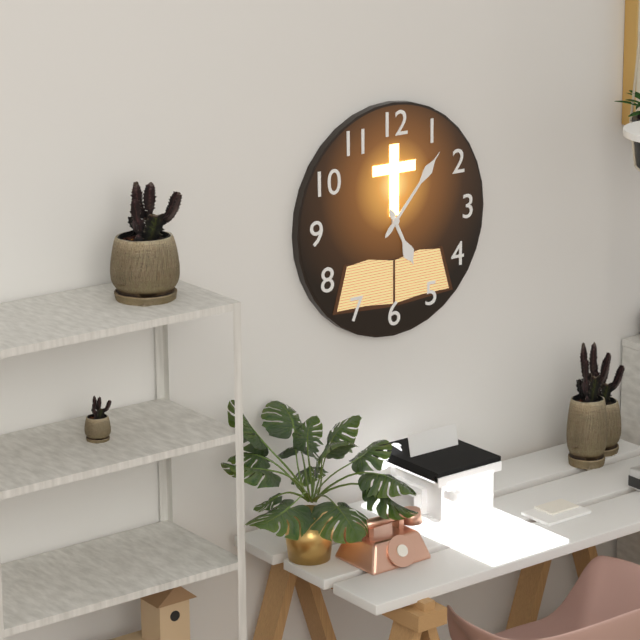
5:07
